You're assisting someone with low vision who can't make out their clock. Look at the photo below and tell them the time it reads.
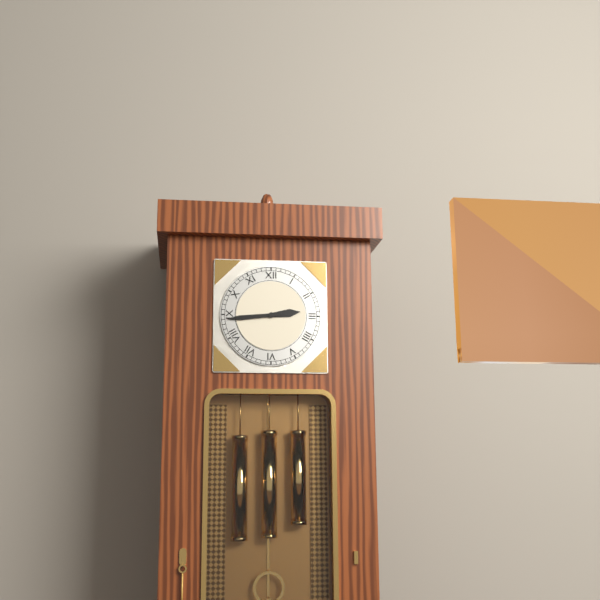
2:44
